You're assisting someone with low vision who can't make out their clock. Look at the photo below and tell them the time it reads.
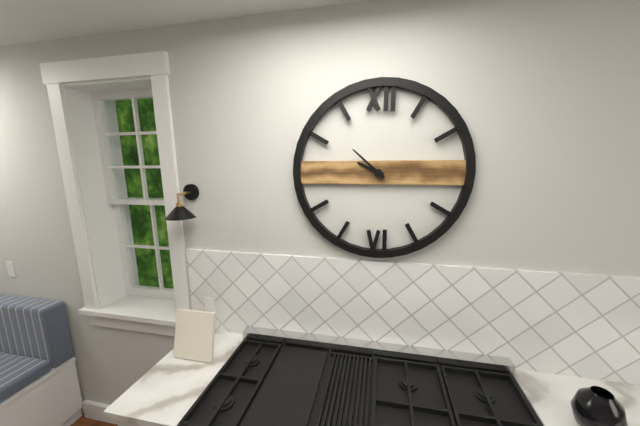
9:52
